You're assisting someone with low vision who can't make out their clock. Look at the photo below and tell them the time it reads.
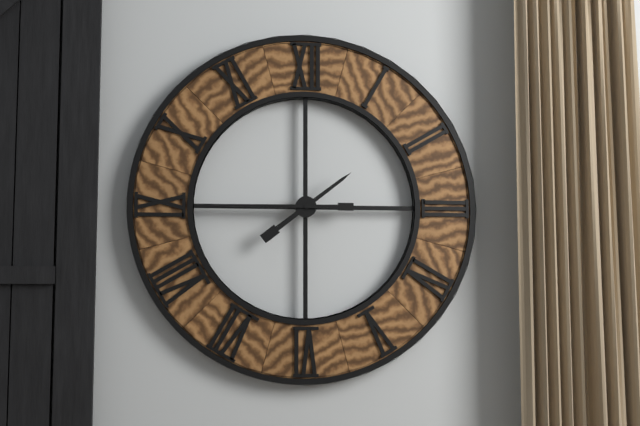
1:45
